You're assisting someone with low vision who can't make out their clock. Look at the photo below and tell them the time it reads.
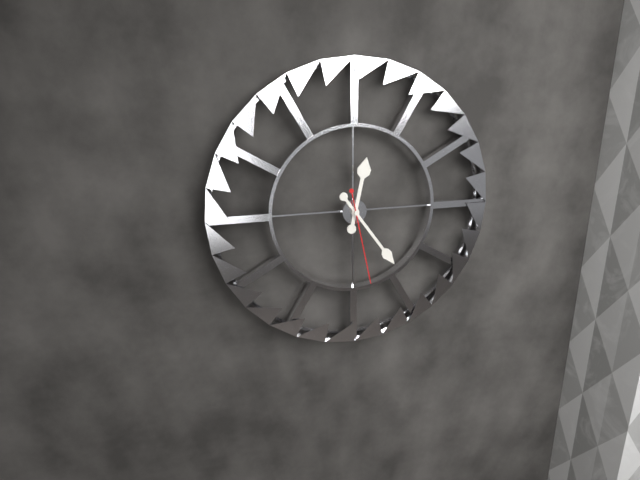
12:24:28
